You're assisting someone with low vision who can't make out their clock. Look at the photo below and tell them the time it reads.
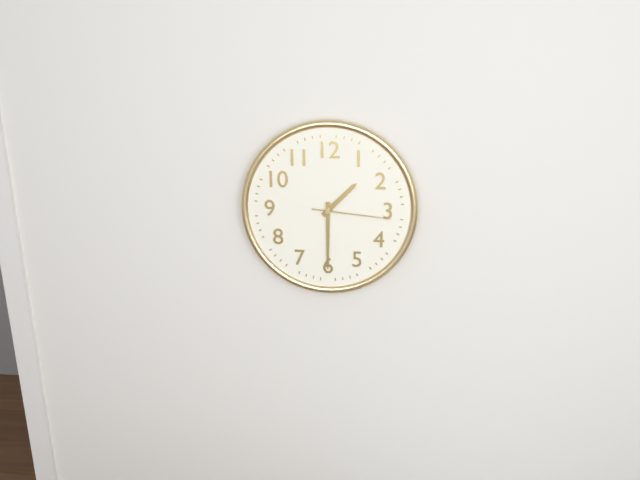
1:30:16
